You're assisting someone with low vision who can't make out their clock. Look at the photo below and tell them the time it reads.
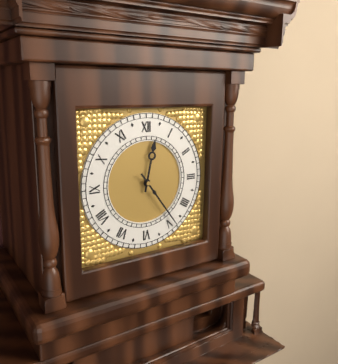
12:24
